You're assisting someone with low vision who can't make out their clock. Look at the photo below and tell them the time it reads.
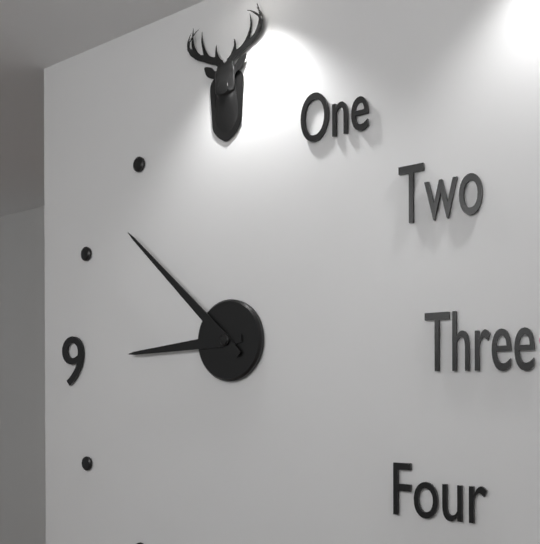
8:52
